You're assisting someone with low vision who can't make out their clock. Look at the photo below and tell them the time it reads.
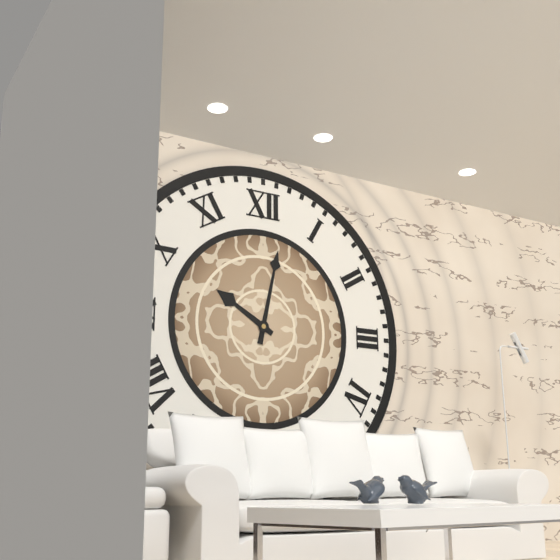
10:02
